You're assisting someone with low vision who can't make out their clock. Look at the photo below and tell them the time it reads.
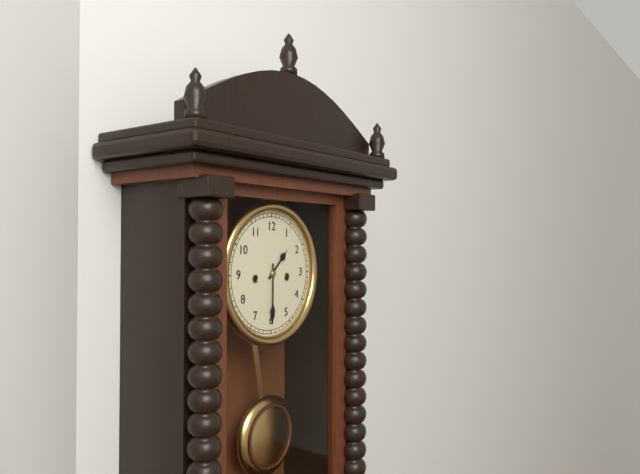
1:30
